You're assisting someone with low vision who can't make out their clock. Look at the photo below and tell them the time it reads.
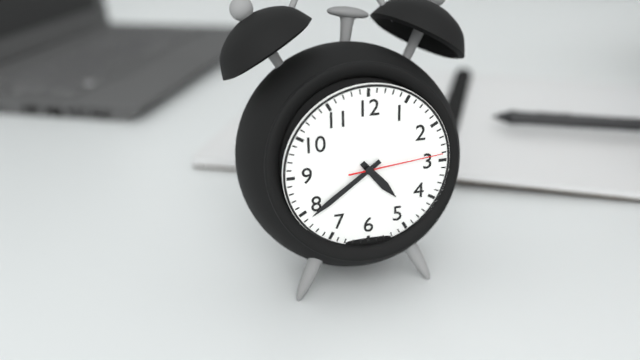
4:39:14
